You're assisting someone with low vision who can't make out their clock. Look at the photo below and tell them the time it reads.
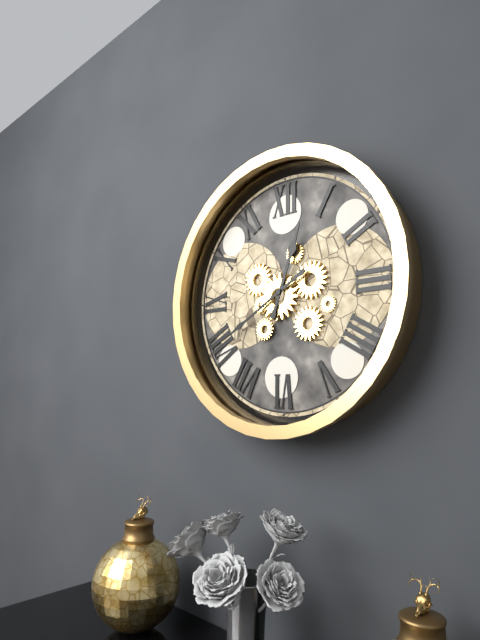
12:40
